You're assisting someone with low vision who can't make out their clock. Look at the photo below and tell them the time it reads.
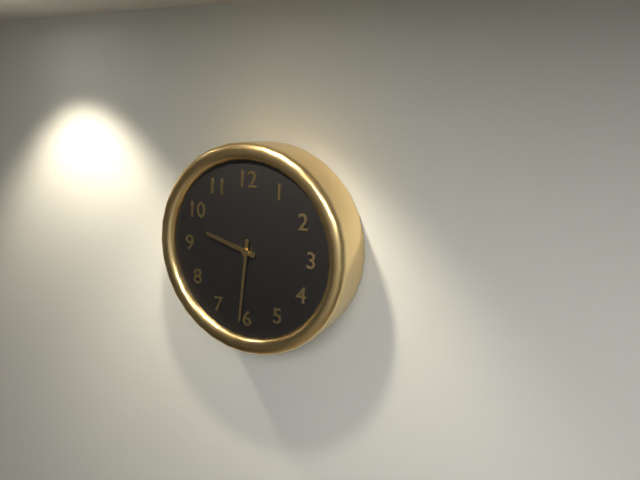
9:31
